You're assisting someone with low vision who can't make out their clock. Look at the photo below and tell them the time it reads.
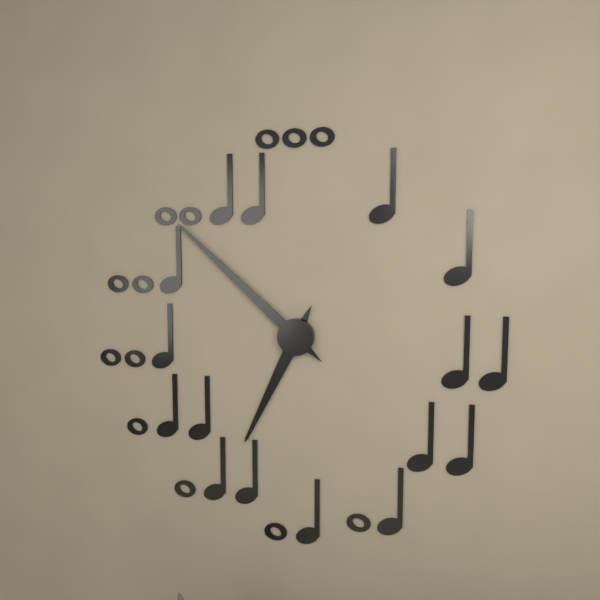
6:52
